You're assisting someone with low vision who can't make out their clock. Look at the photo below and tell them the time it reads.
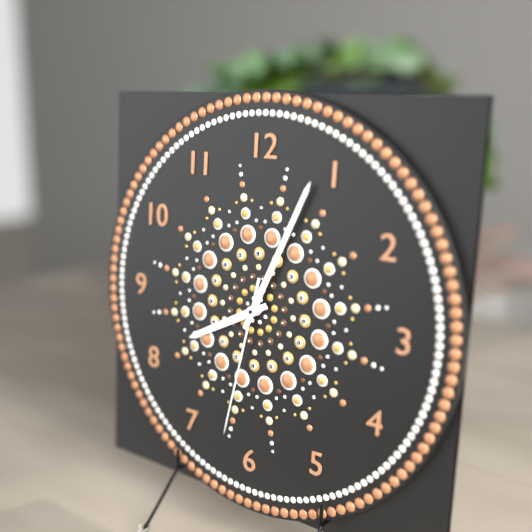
8:04:32
